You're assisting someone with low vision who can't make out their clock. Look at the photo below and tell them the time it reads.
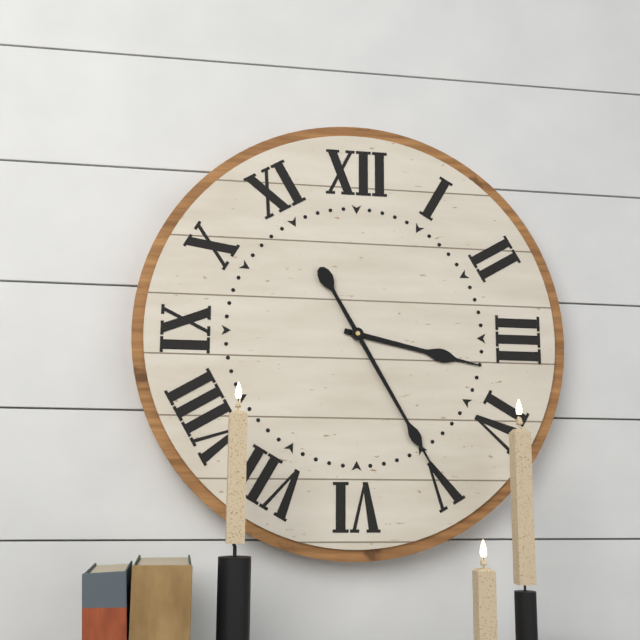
3:25
